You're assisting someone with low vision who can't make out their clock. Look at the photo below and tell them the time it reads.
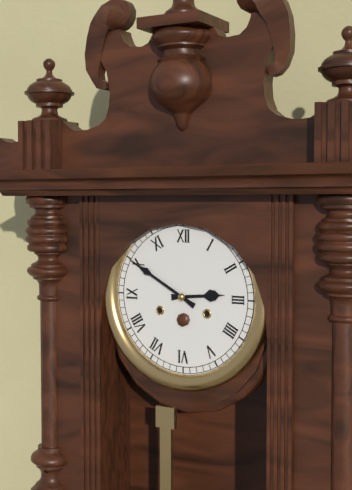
2:50
